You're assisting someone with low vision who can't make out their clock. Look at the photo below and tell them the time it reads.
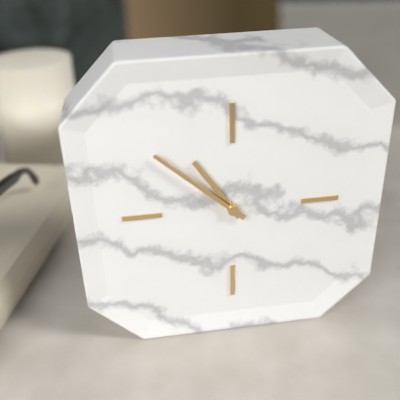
10:52
